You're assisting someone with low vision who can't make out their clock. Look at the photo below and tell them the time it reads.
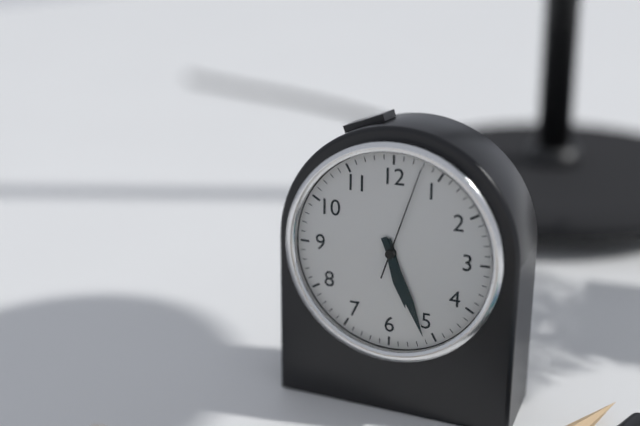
5:26:03
